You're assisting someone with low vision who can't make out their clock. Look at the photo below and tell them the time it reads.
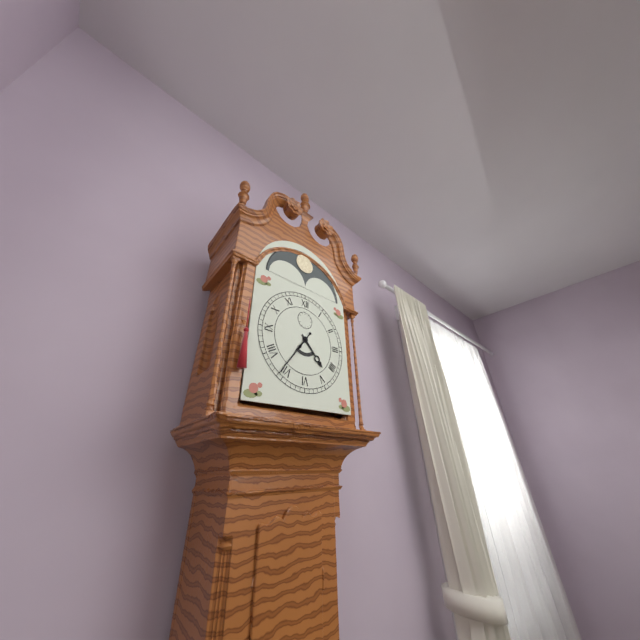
4:36
